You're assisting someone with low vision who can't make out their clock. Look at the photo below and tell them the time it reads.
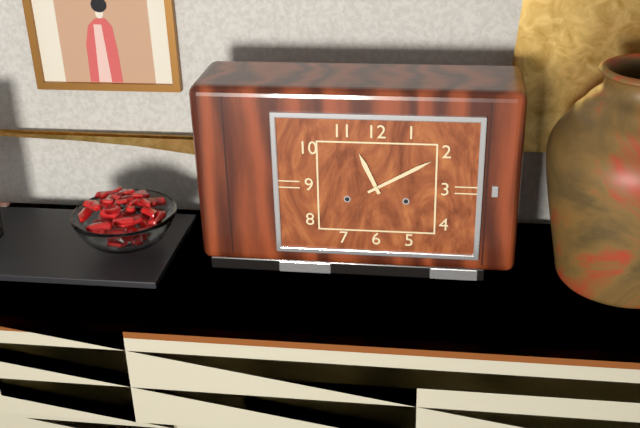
11:10
